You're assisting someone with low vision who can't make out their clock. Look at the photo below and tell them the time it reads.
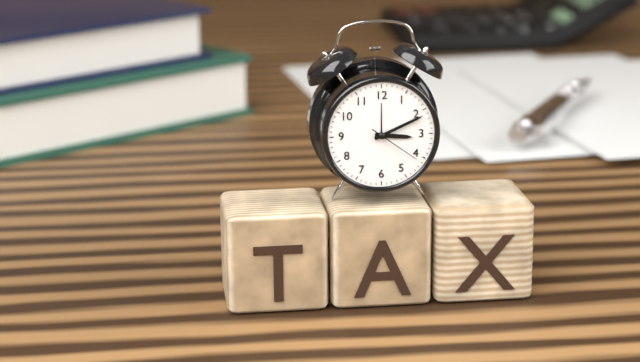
3:11:21
